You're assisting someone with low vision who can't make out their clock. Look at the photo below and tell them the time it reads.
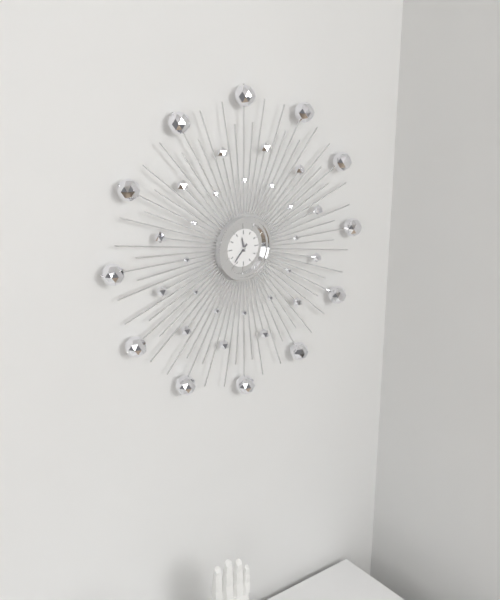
11:37
